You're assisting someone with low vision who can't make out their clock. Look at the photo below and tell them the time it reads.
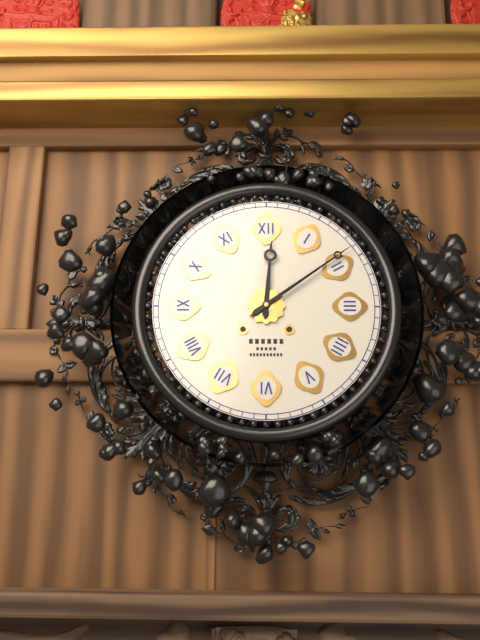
12:09
